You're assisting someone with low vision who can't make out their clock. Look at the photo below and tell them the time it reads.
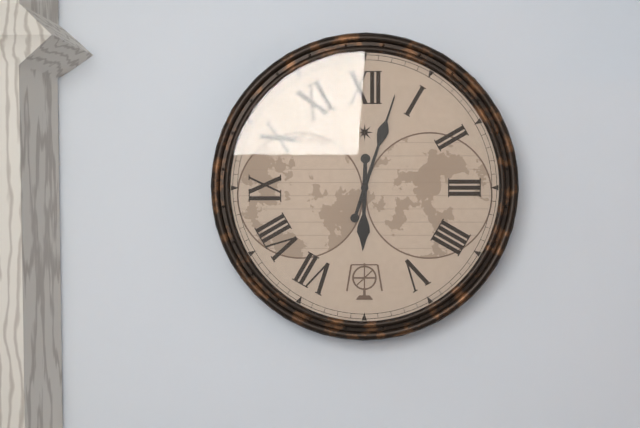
6:03
